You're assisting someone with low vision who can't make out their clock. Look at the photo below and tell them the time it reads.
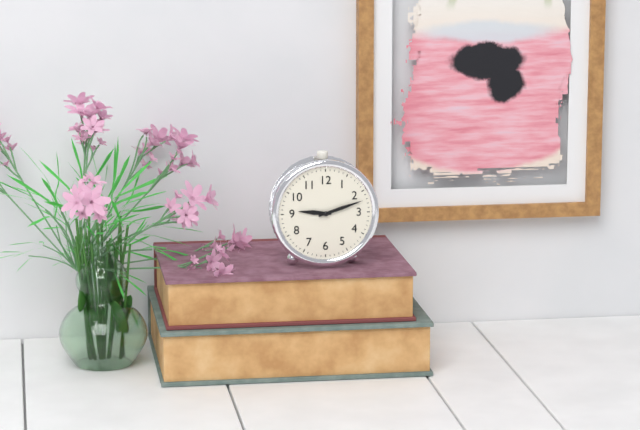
9:12
